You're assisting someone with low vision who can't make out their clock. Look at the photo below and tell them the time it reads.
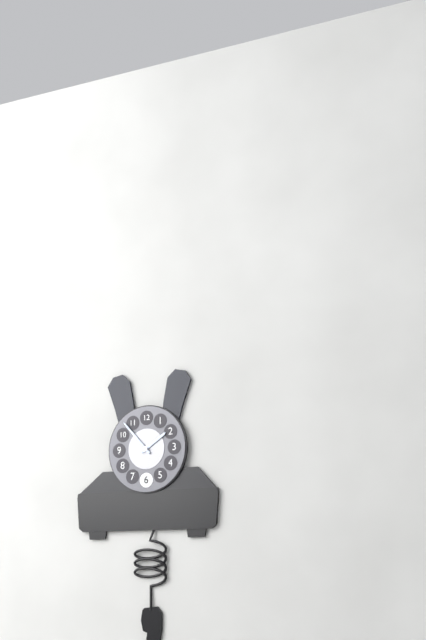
1:53
